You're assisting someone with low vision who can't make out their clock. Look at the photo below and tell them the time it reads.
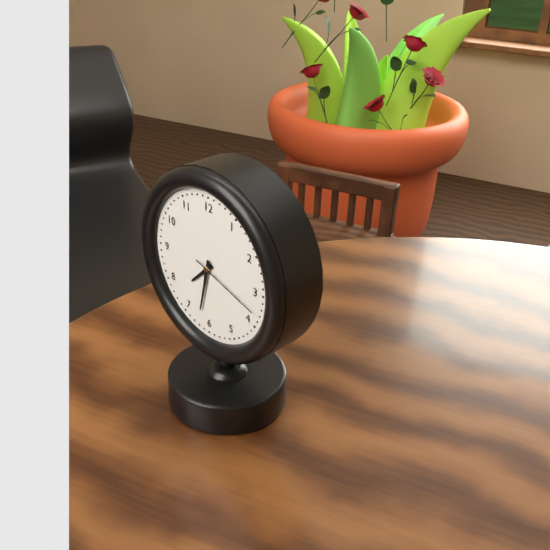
7:32:18
